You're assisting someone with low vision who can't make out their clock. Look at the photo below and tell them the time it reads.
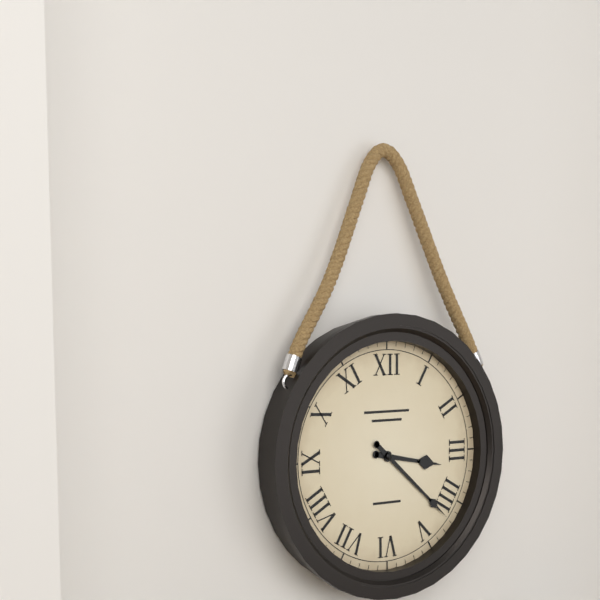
3:22
